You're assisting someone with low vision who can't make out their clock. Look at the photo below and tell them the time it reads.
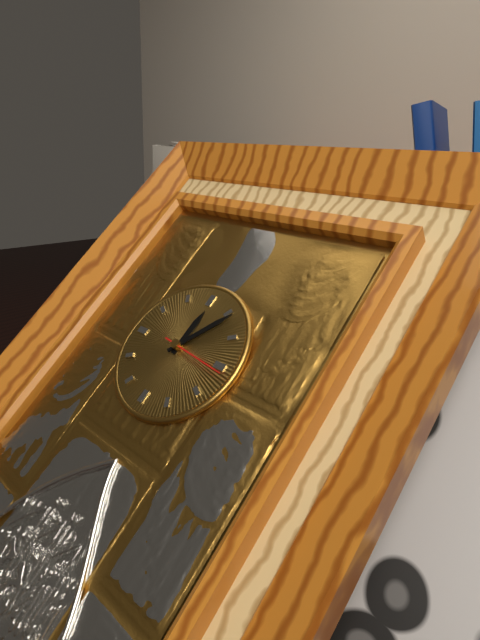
12:06
